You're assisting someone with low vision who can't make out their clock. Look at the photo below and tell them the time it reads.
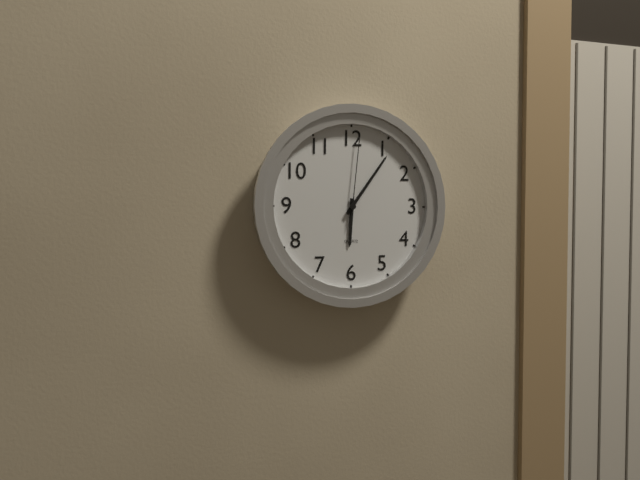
6:06:01
